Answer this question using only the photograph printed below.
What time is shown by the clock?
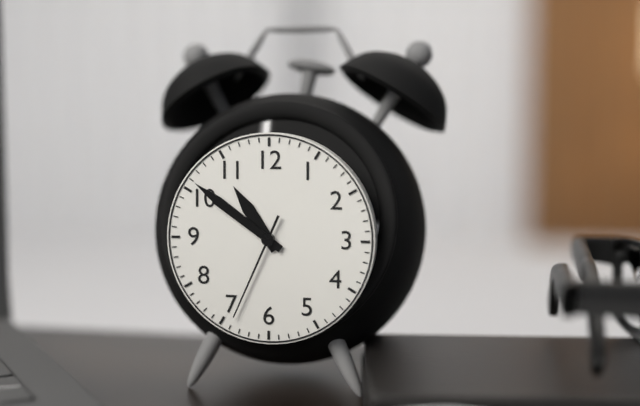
10:51:34
